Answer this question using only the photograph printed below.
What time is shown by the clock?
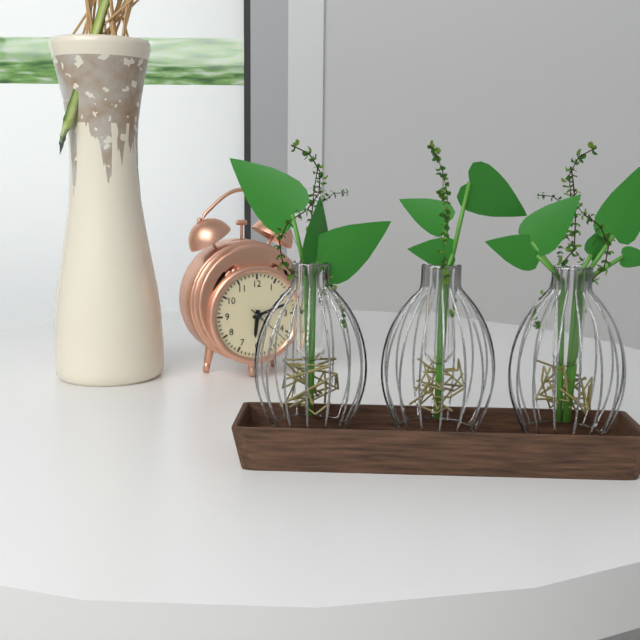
6:12
